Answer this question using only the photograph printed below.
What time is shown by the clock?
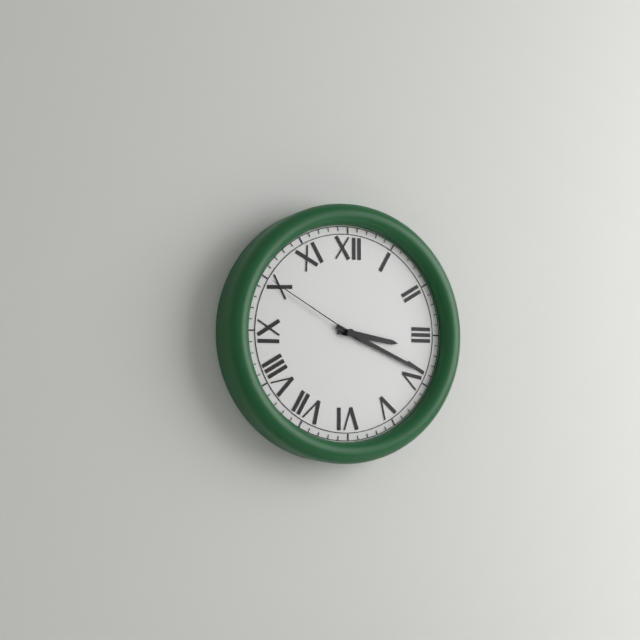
3:19:50
